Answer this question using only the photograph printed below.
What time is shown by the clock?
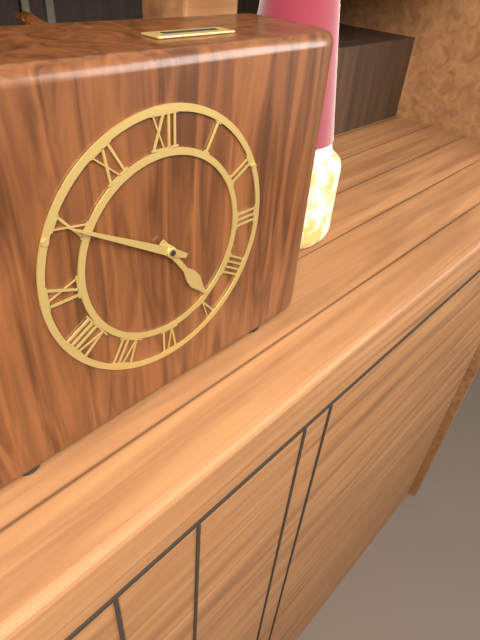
4:50
